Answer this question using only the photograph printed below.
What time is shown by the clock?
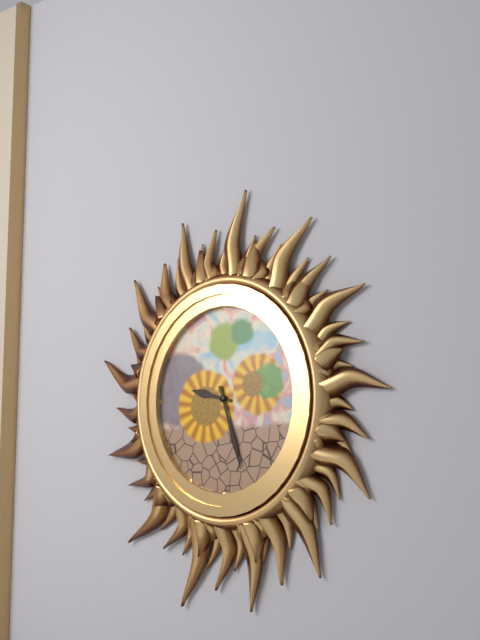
9:27
